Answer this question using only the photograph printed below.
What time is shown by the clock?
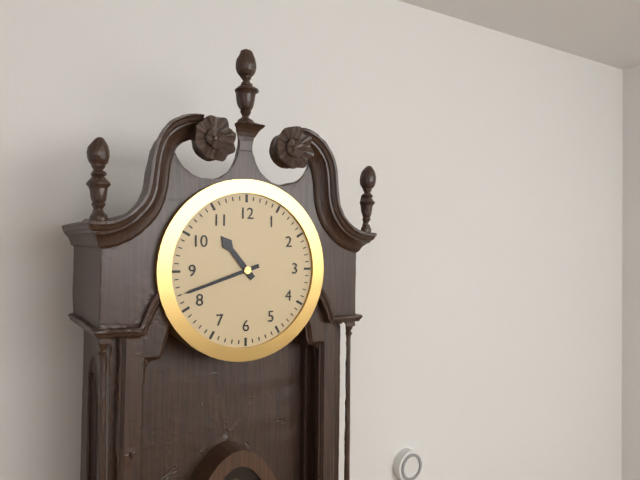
10:42
